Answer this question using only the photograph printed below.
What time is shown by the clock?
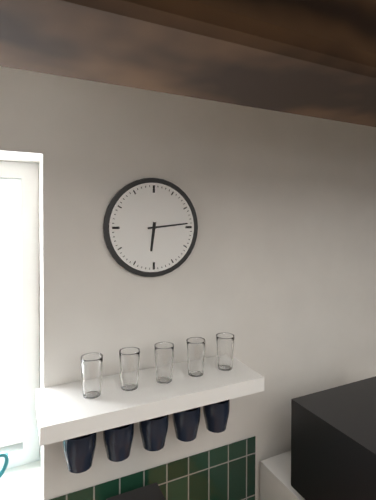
6:14
